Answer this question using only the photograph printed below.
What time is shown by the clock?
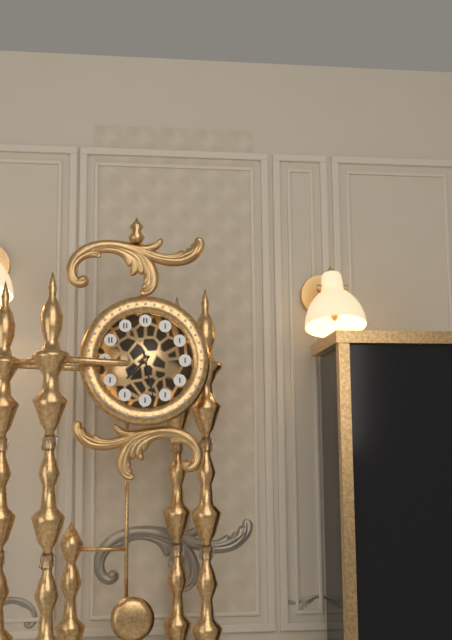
7:28
